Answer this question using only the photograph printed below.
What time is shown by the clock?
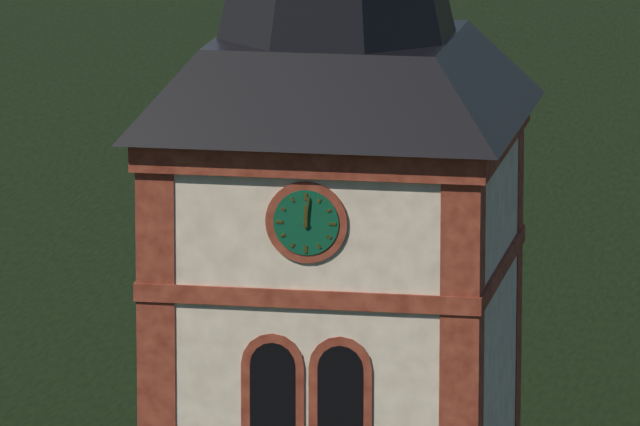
12:01
